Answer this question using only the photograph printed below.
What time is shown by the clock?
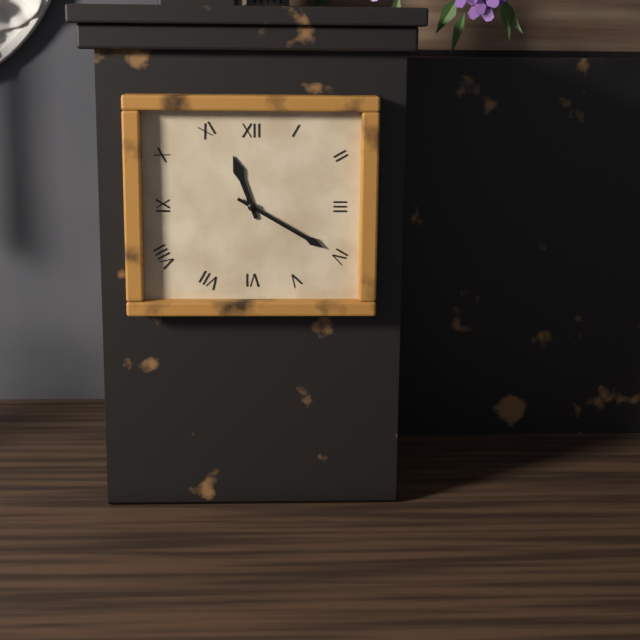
11:20
